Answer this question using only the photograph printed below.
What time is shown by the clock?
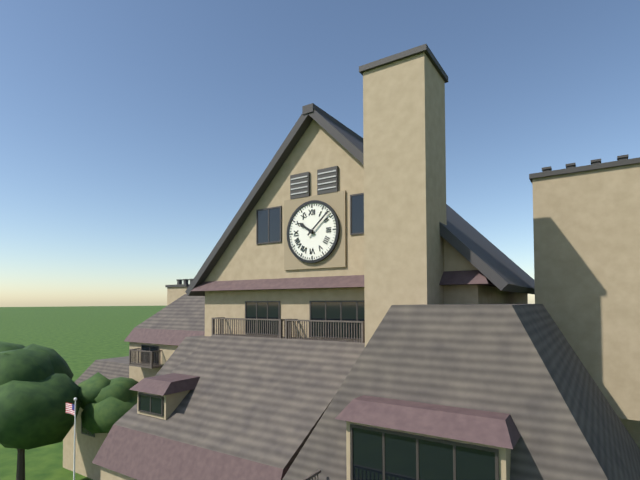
10:08
